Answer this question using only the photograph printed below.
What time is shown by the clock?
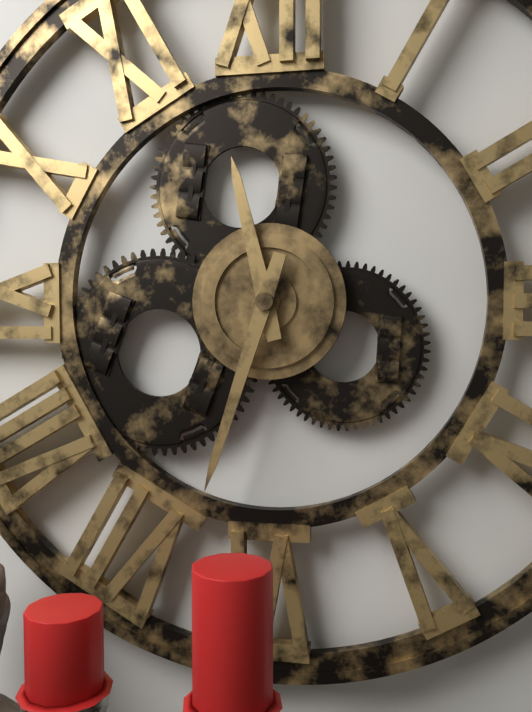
11:33
